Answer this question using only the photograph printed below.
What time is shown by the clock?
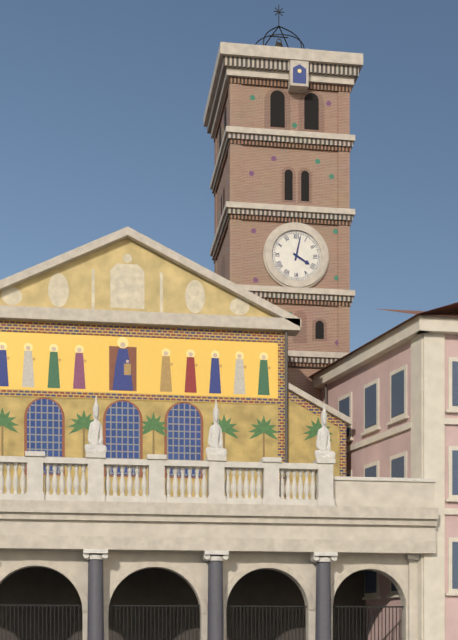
4:02
